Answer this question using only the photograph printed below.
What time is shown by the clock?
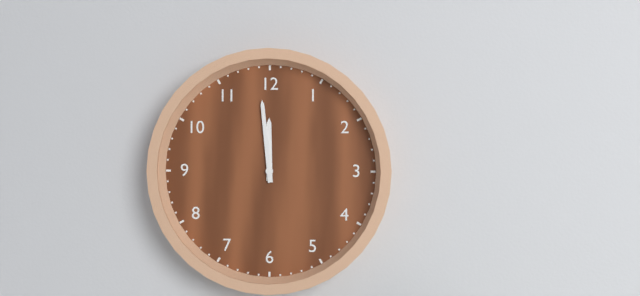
11:59
